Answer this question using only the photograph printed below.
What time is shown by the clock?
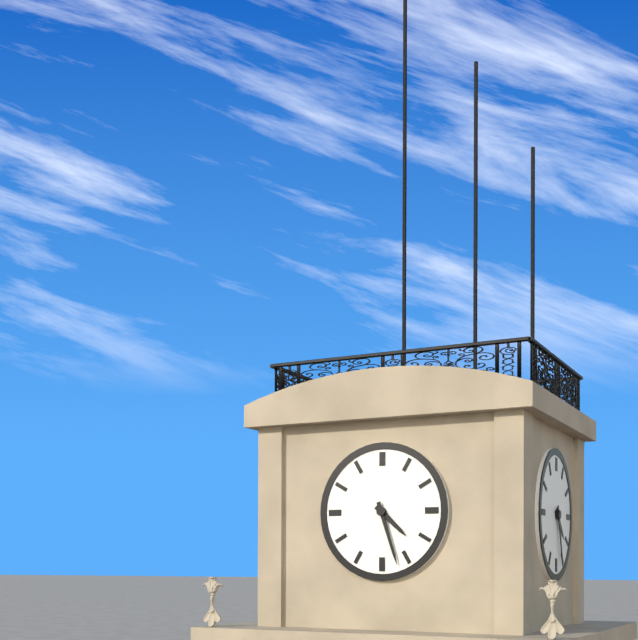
4:27
